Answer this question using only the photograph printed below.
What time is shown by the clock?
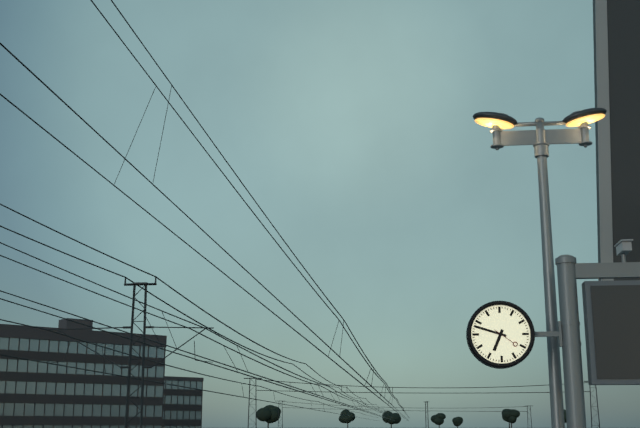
6:48
